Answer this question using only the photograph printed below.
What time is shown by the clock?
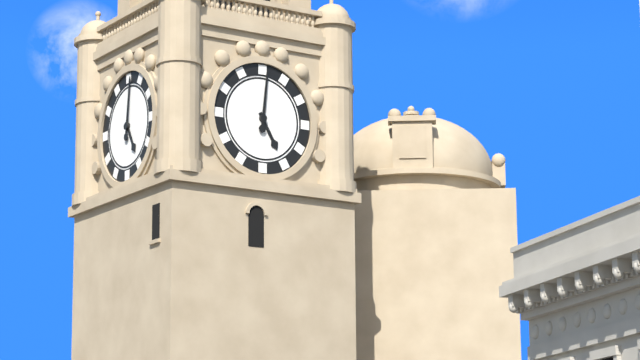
5:01
